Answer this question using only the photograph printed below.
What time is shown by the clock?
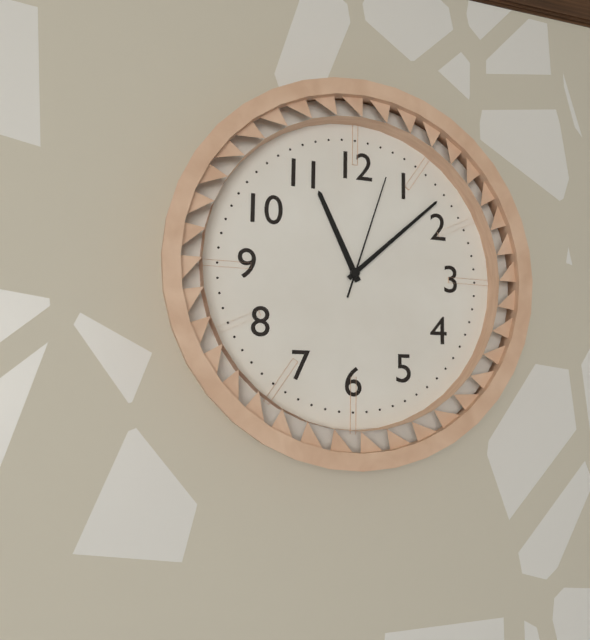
11:08:03
